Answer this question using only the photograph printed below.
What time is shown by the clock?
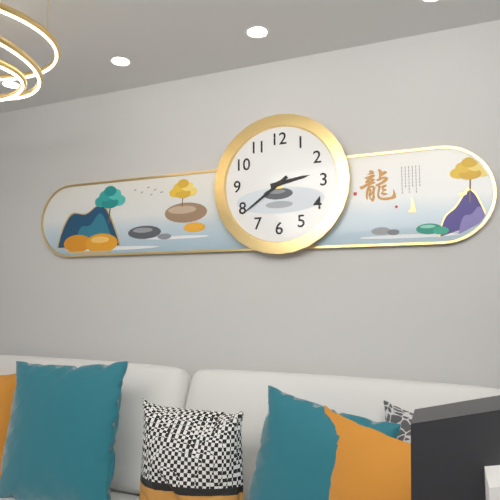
2:39
